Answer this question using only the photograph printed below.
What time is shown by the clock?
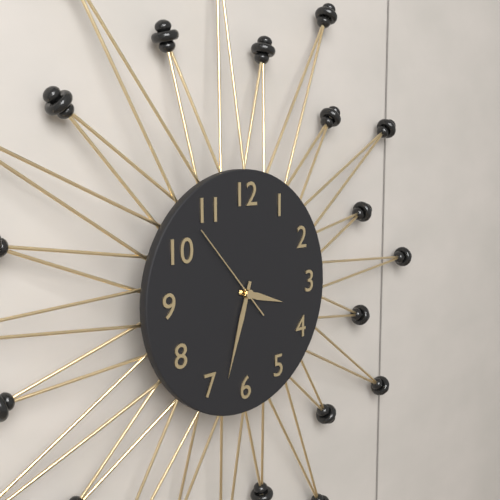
3:33:53
